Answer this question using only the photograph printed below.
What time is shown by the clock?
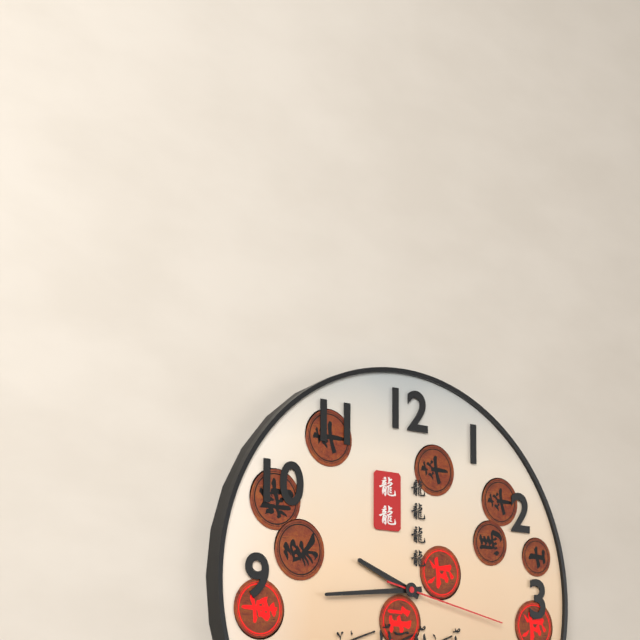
9:44:17
